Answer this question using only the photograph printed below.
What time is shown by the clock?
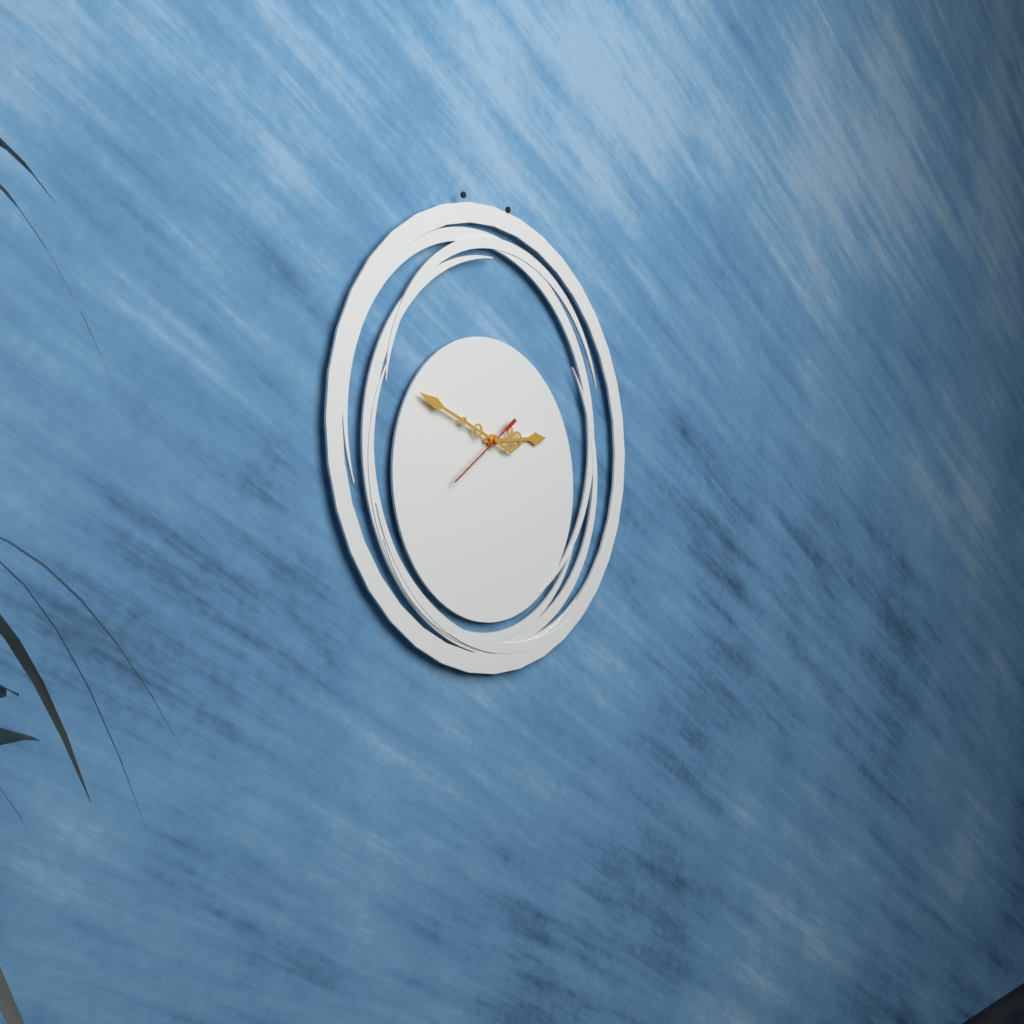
2:48:39
